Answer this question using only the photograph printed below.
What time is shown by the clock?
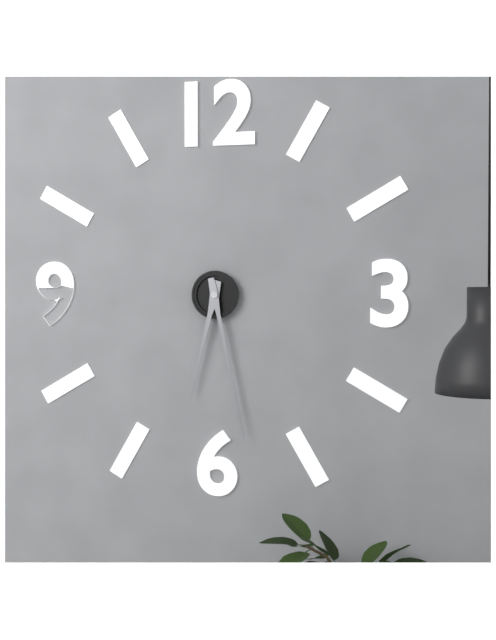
6:28
